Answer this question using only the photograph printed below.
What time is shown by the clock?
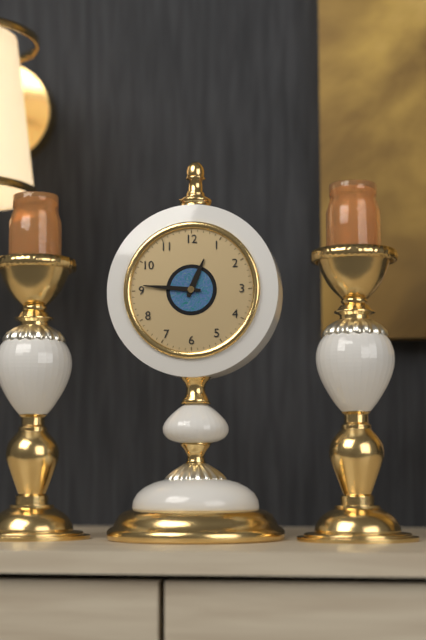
12:46
